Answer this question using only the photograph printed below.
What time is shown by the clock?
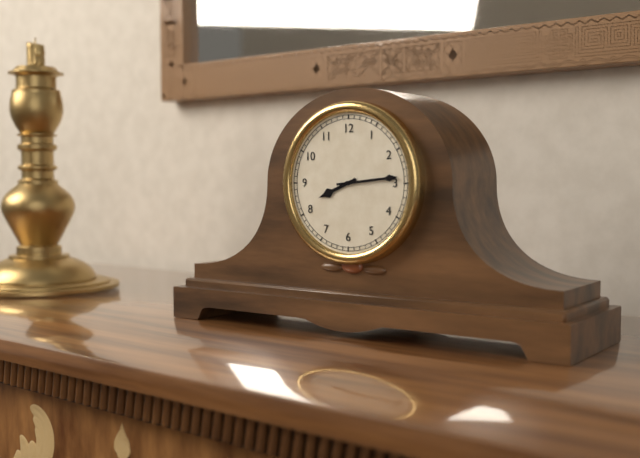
8:14
